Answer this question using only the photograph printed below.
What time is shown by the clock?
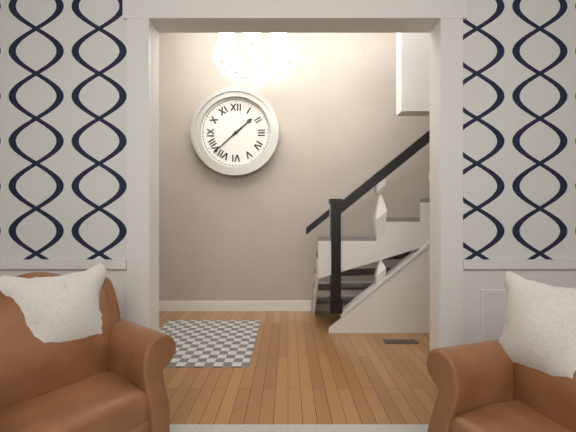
1:38
